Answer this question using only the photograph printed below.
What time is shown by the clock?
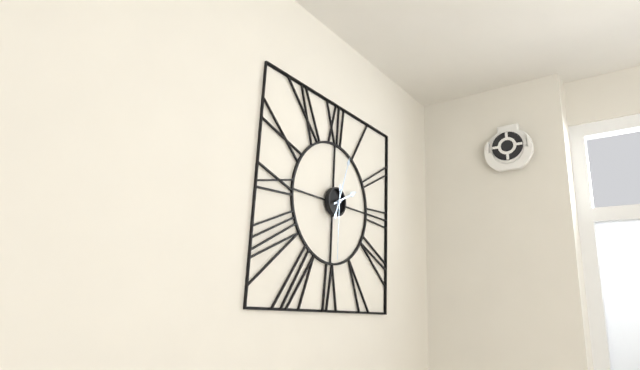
2:03:30
